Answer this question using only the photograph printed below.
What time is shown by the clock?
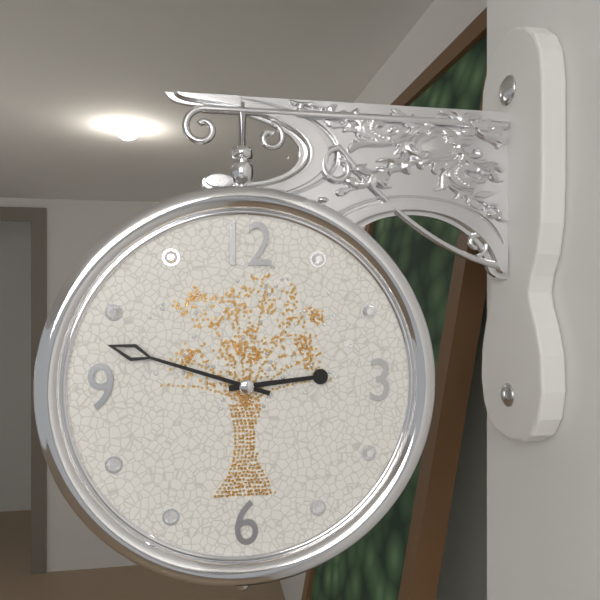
2:48
